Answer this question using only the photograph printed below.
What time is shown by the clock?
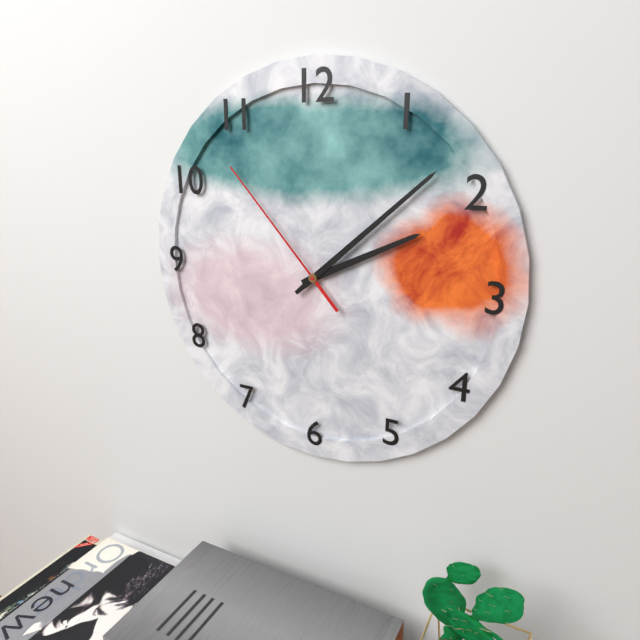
2:08:53
